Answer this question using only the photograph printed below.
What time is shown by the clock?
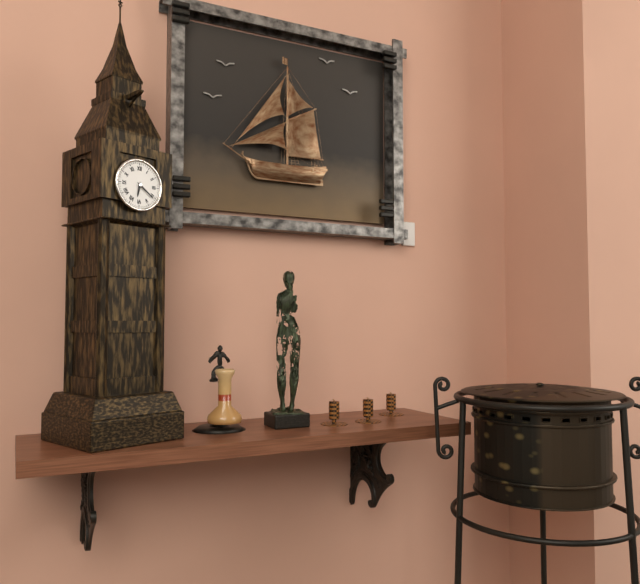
6:21
